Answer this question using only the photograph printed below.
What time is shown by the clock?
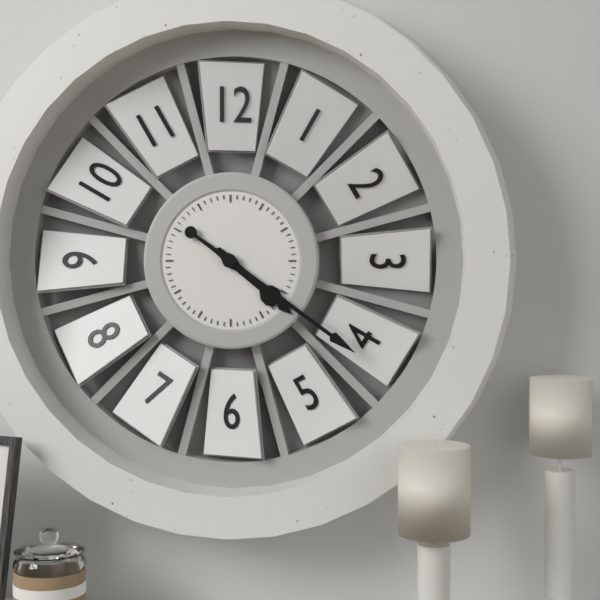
4:21
